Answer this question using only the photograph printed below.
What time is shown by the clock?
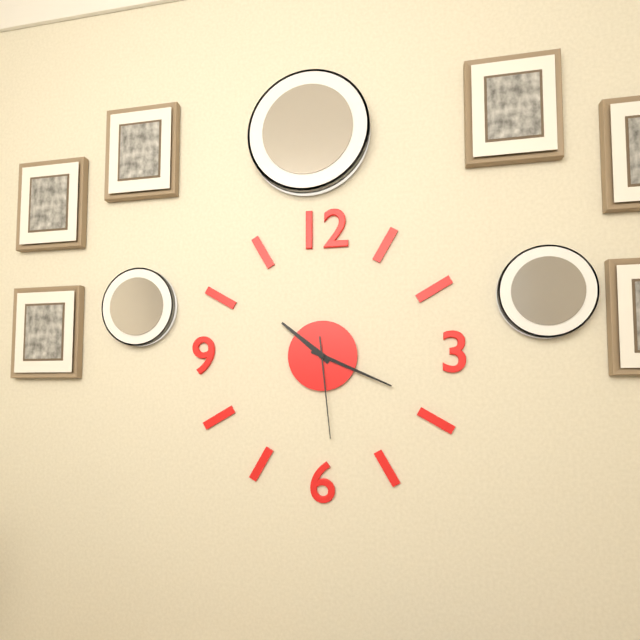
10:19:29
